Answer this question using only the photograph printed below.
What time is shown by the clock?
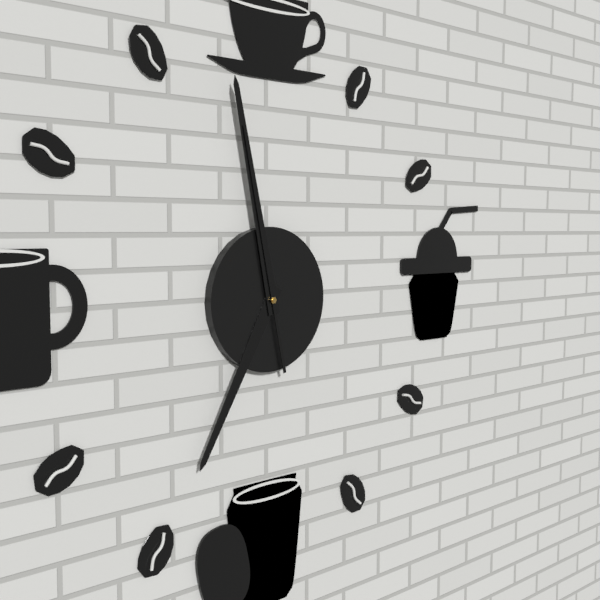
6:58:58
